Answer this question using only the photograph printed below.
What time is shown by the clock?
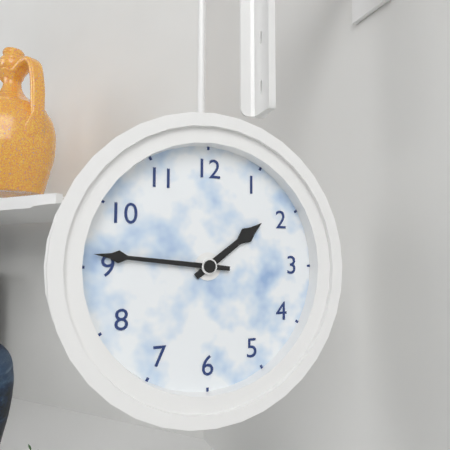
1:46
